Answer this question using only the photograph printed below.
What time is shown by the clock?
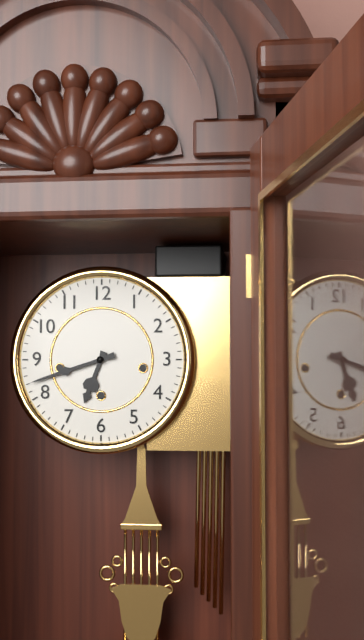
6:42
